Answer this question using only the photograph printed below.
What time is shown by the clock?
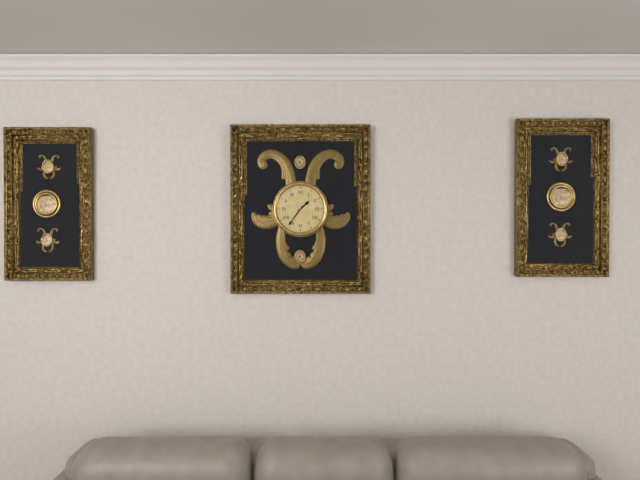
1:36
